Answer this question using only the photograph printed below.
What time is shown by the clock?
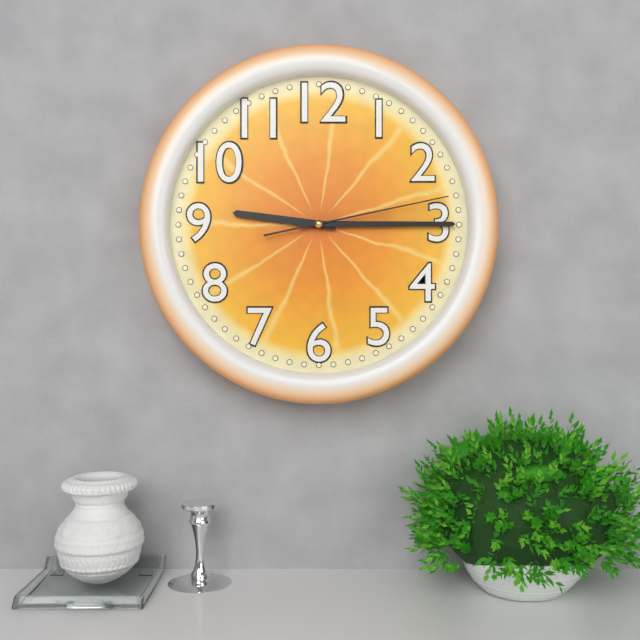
9:15:13
